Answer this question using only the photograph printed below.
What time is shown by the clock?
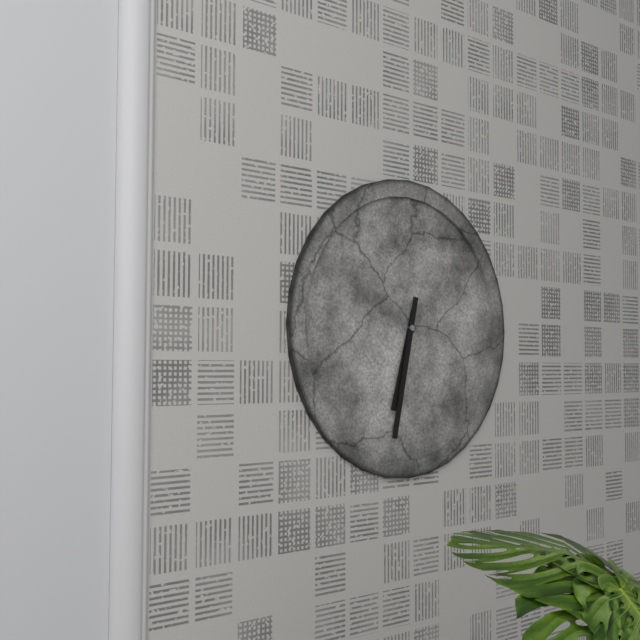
6:32
